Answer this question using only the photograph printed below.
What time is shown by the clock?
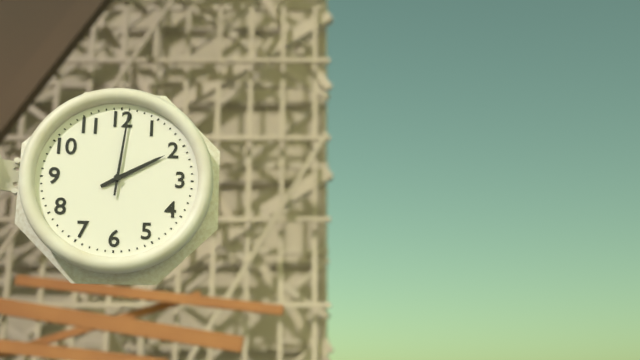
2:01
